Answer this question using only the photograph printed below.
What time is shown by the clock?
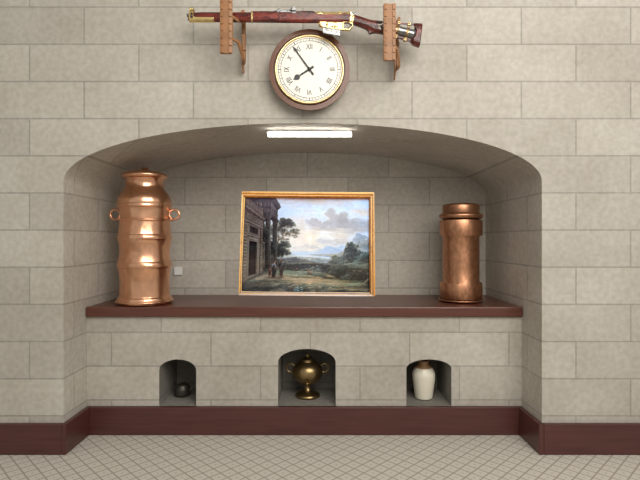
7:54
